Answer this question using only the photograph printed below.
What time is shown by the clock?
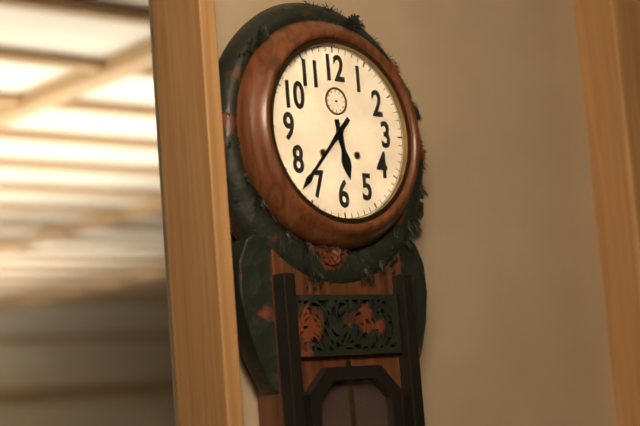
5:37
